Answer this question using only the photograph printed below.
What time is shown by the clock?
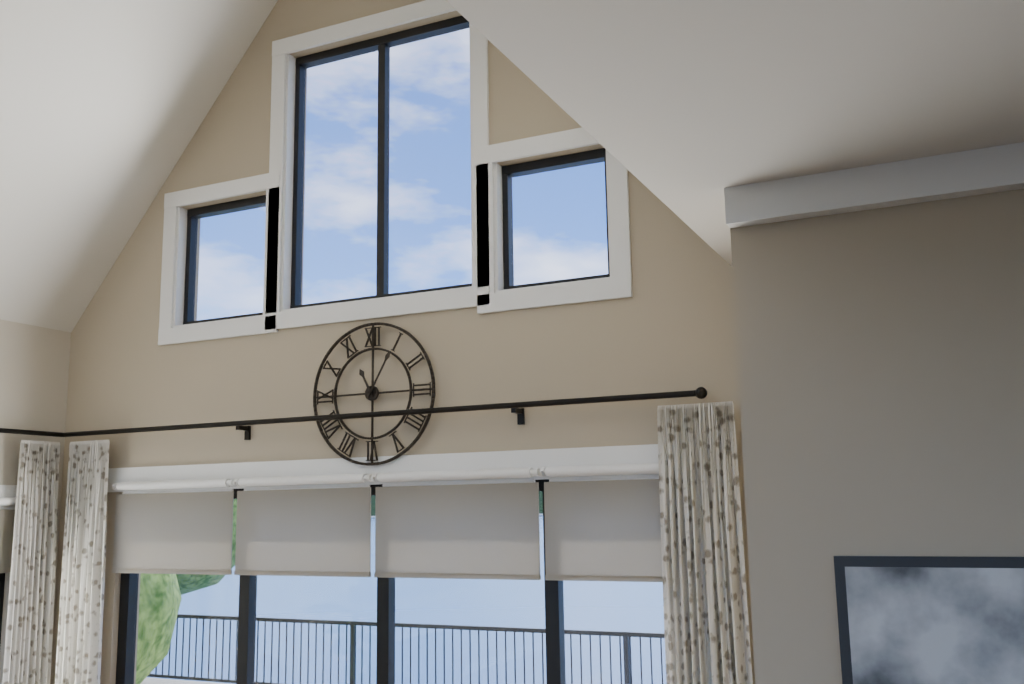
11:05
